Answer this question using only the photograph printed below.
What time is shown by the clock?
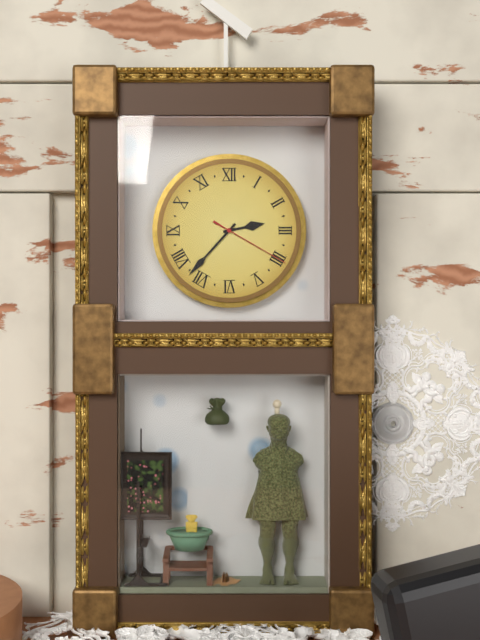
2:37:20
